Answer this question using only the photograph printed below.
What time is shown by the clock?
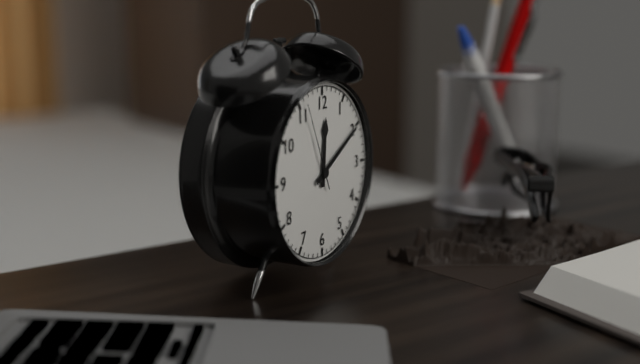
12:10:56
